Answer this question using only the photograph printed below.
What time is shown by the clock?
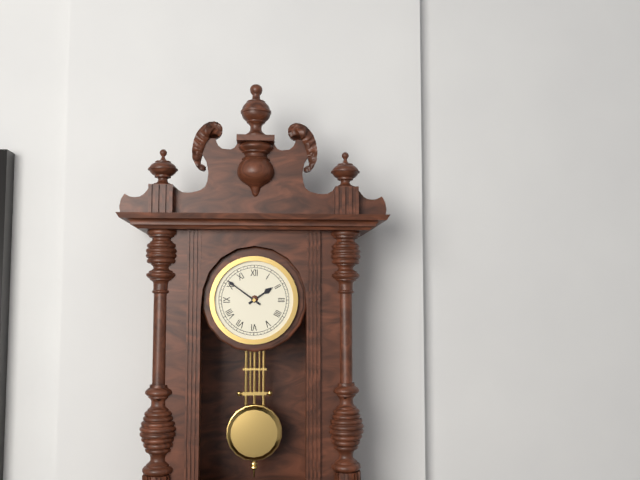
1:51
